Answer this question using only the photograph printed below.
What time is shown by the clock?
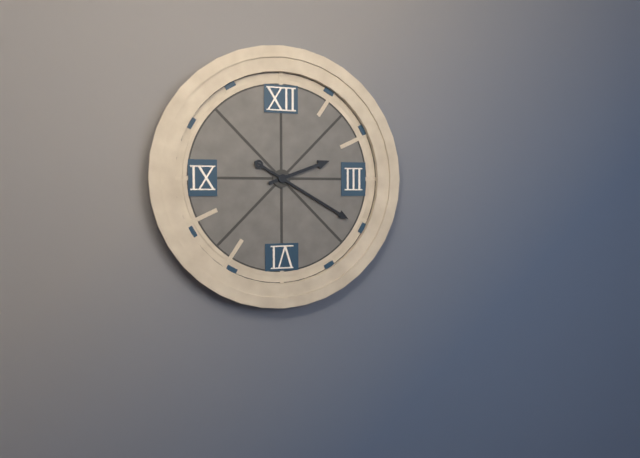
2:20
